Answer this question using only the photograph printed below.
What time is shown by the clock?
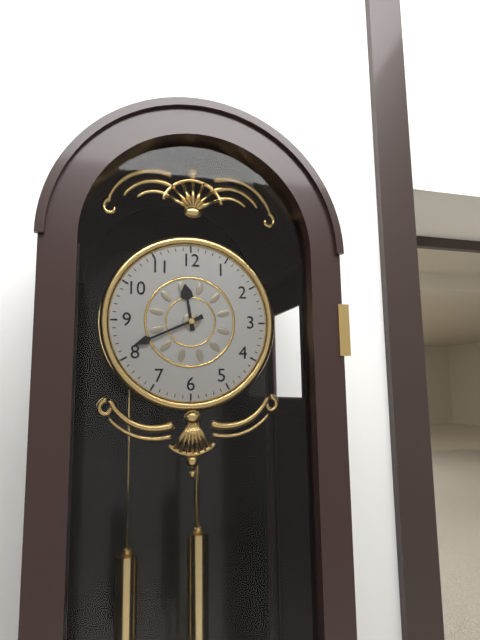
11:41
